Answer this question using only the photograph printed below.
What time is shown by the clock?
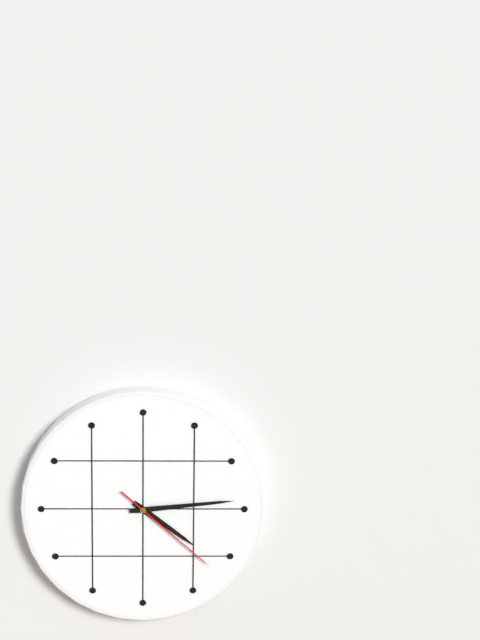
4:14:22
